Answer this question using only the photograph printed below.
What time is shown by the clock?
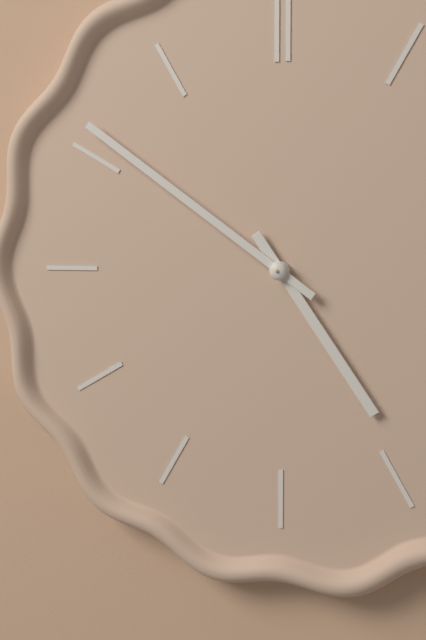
4:51
